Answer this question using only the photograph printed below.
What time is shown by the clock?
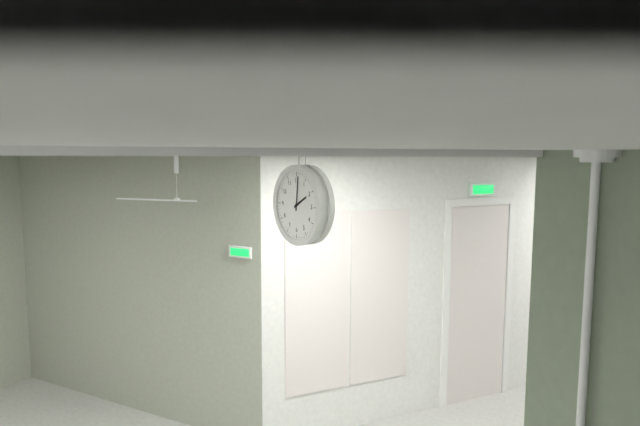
2:01
